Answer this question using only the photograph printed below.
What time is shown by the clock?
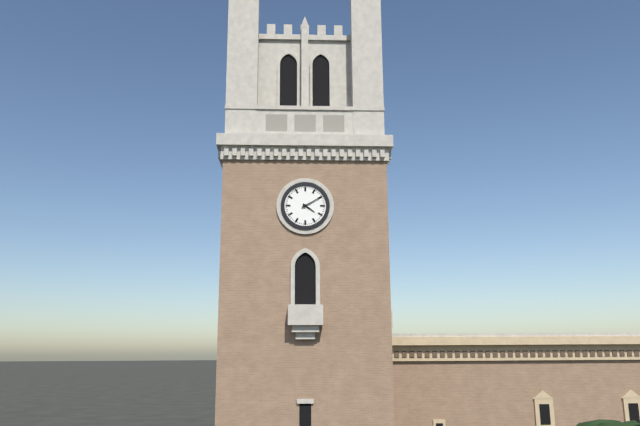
4:10
